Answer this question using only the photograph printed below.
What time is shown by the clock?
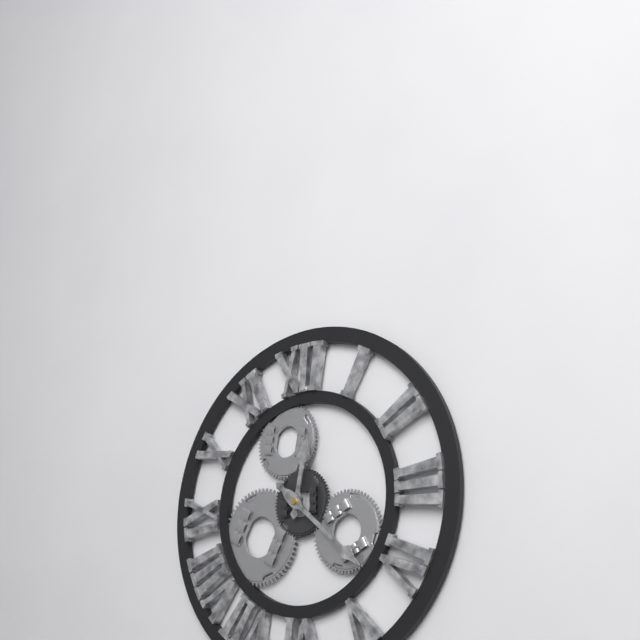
12:22
